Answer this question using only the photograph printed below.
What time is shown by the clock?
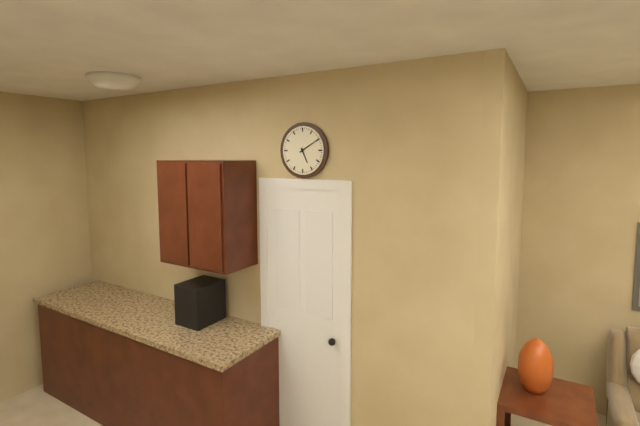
5:10
